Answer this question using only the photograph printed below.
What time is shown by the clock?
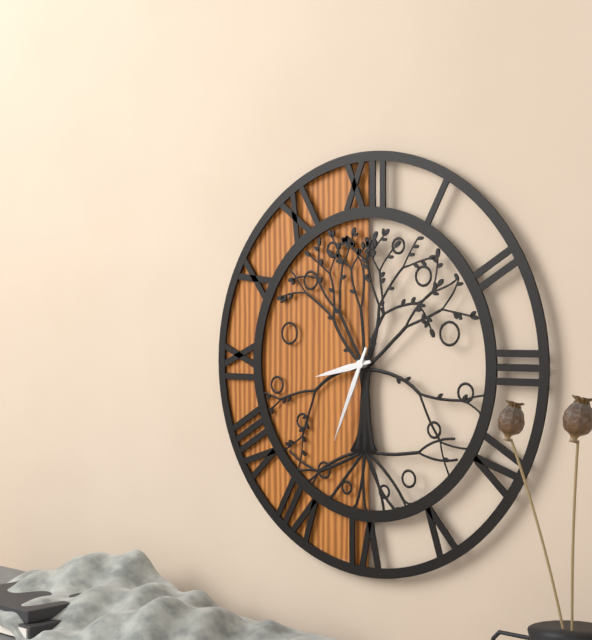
8:34
